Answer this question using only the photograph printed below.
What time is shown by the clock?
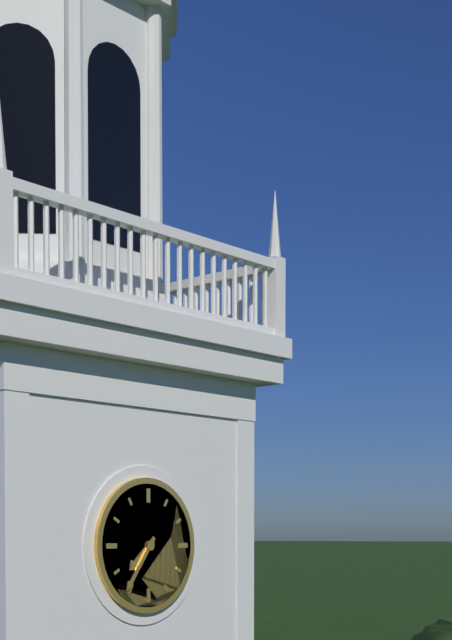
7:36
